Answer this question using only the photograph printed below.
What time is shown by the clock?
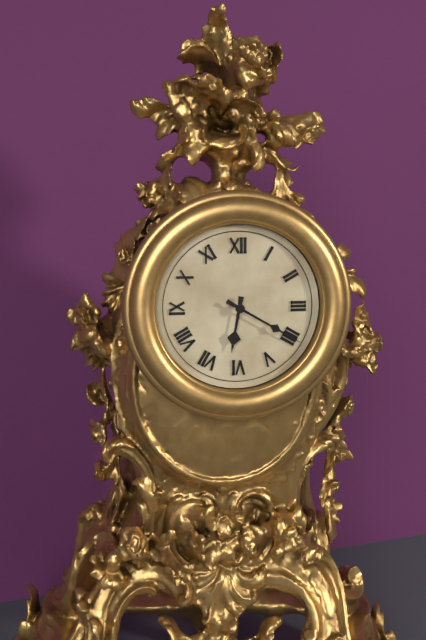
6:20
